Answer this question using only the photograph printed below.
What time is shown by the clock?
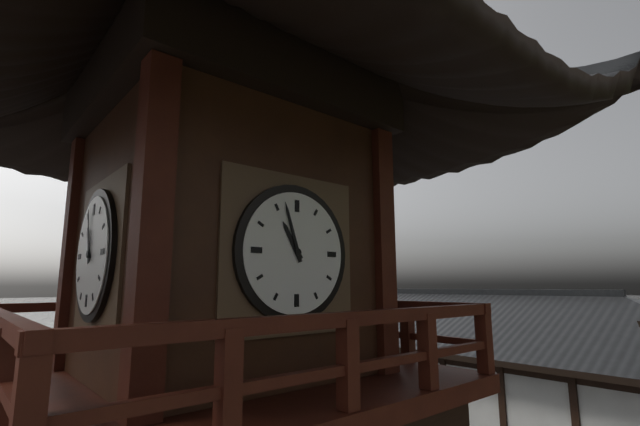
10:57
